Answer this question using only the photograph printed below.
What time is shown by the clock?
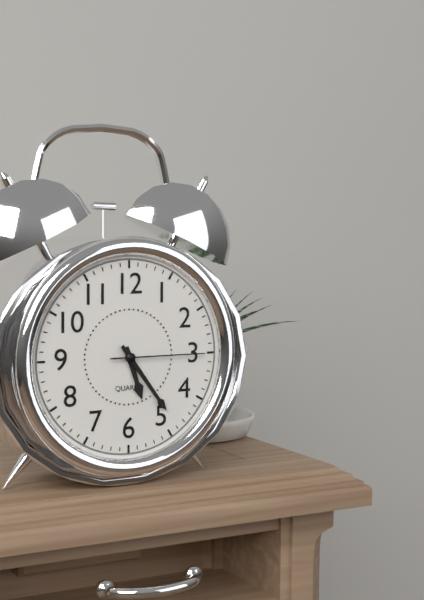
5:24:15
